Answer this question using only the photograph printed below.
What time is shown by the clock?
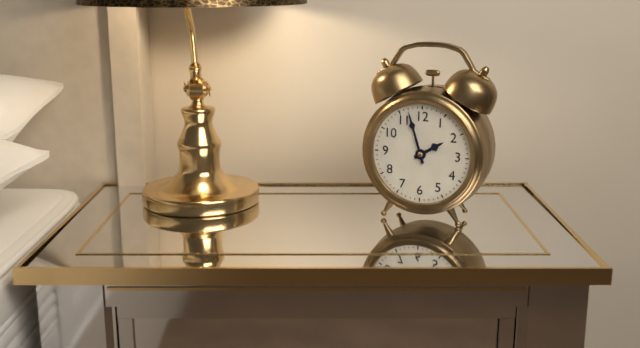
1:57
